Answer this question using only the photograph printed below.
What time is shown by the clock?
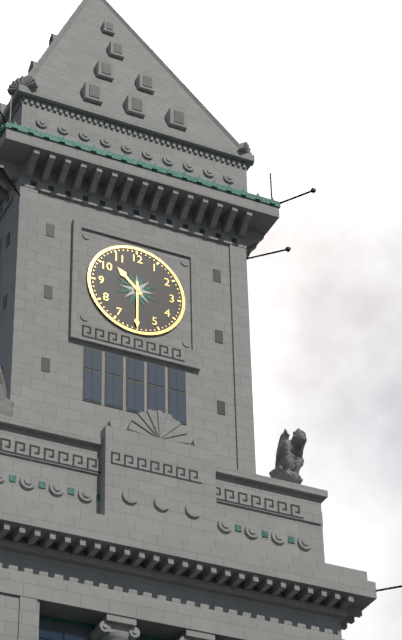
10:30
